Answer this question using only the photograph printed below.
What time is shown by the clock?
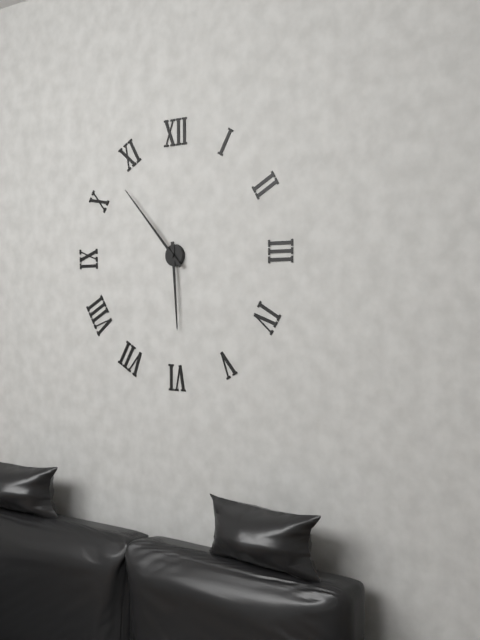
5:53
